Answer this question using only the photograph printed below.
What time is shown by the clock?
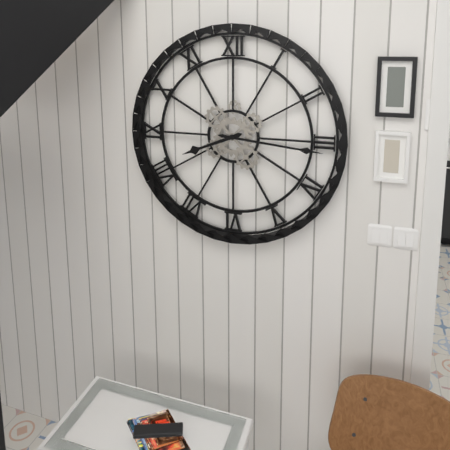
8:16
